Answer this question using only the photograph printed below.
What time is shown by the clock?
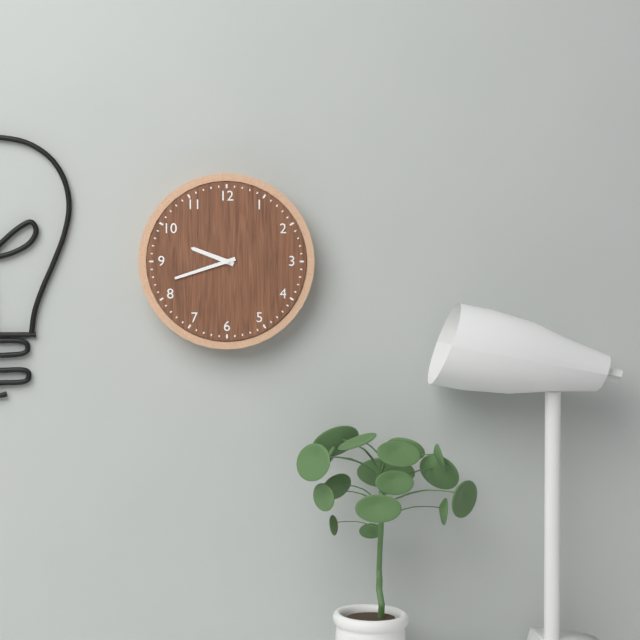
9:42
